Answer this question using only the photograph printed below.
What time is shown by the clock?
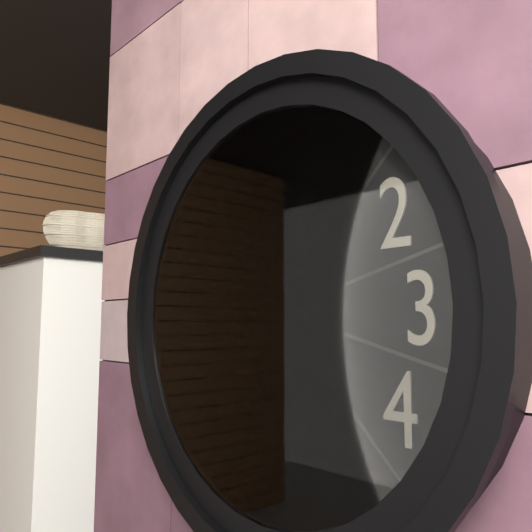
8:07
